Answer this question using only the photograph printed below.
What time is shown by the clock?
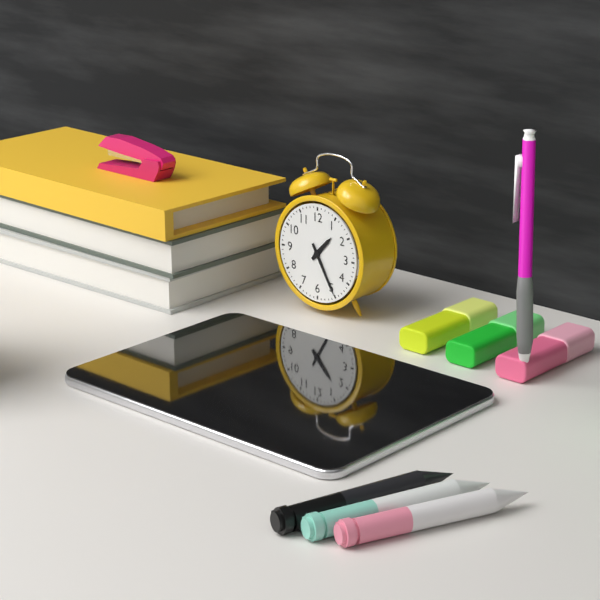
1:25
